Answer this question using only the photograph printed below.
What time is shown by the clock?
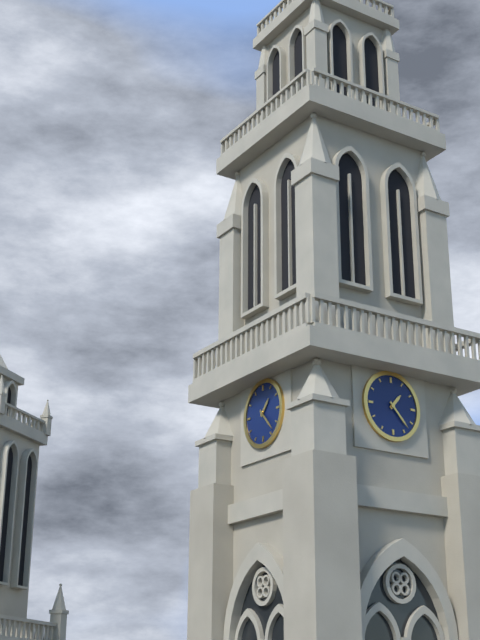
1:23
